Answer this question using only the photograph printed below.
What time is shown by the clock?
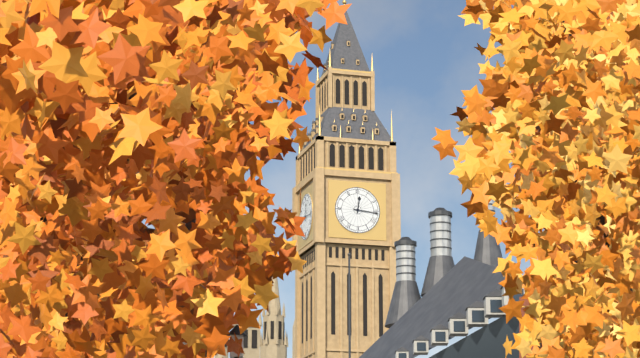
12:16
